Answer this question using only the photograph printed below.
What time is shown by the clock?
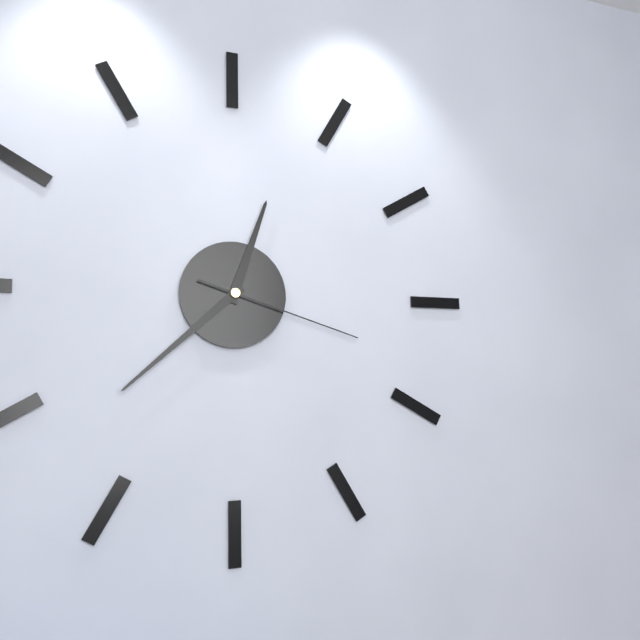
12:38:18
